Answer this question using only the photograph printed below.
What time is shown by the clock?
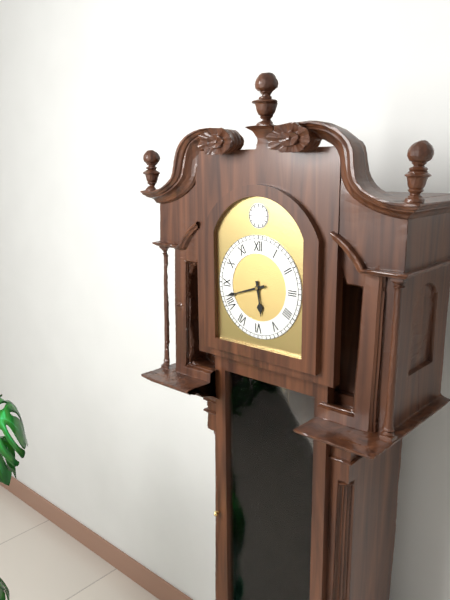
5:42
